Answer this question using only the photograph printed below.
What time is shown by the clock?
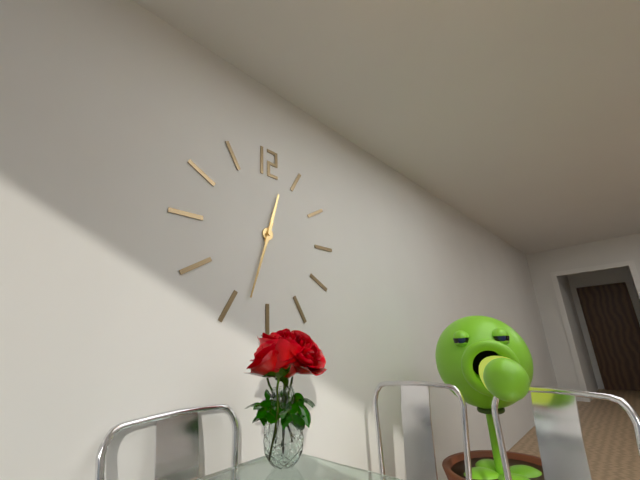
12:33
